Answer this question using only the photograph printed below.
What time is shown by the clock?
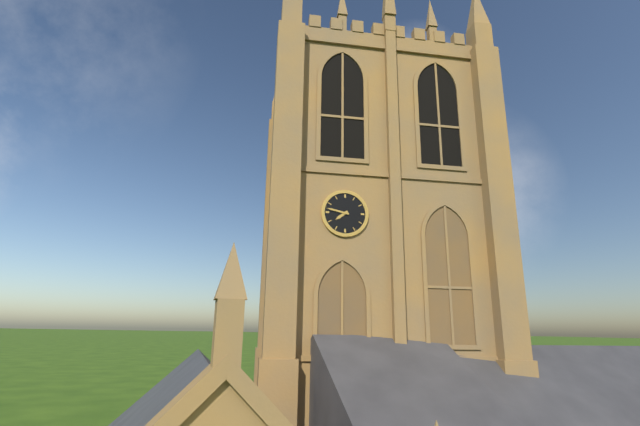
7:47
